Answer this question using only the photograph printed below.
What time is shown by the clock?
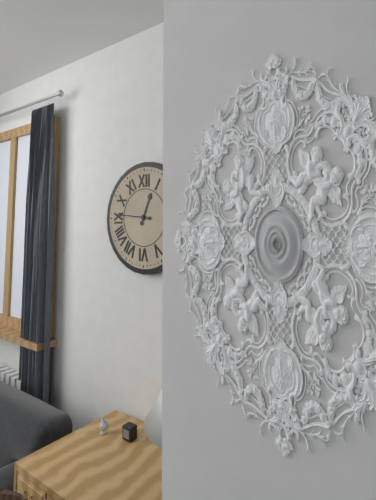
12:46
